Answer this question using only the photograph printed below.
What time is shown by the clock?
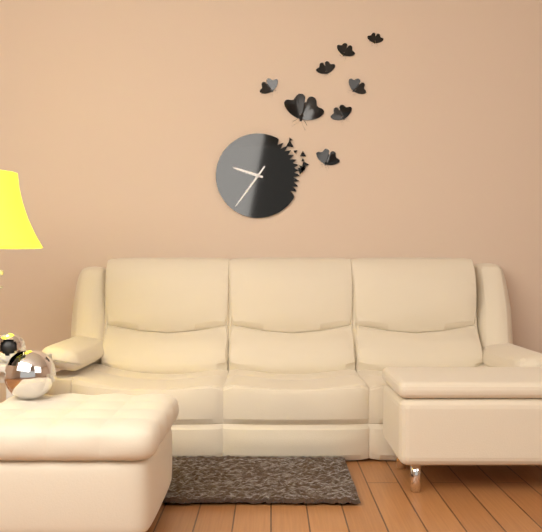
9:36
